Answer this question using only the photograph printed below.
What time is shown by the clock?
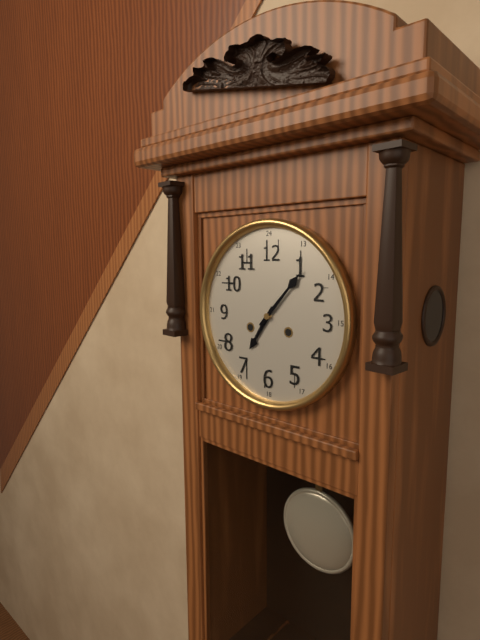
7:07
